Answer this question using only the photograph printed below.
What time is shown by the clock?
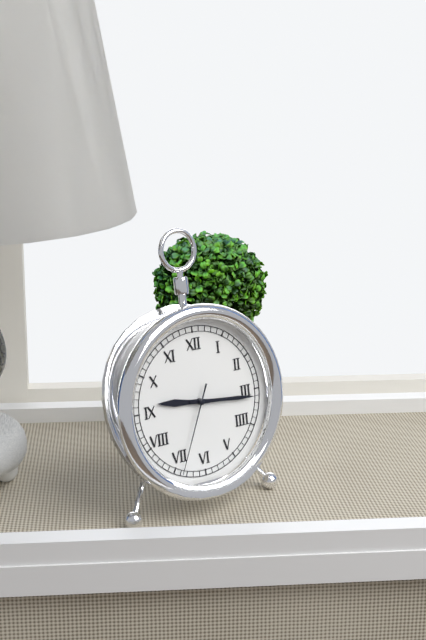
9:16:34
